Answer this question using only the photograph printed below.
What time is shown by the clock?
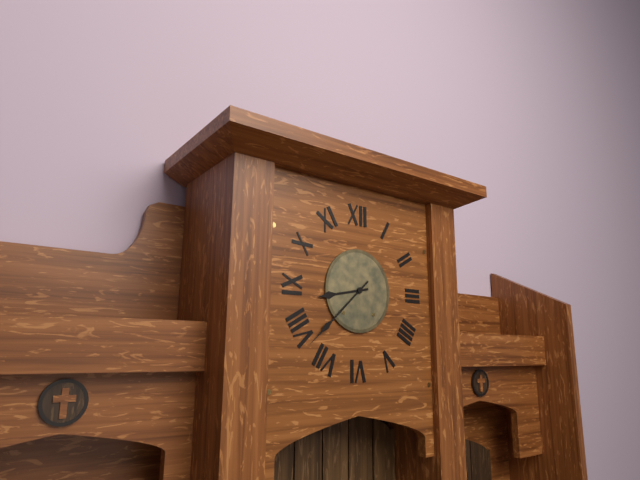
8:38
